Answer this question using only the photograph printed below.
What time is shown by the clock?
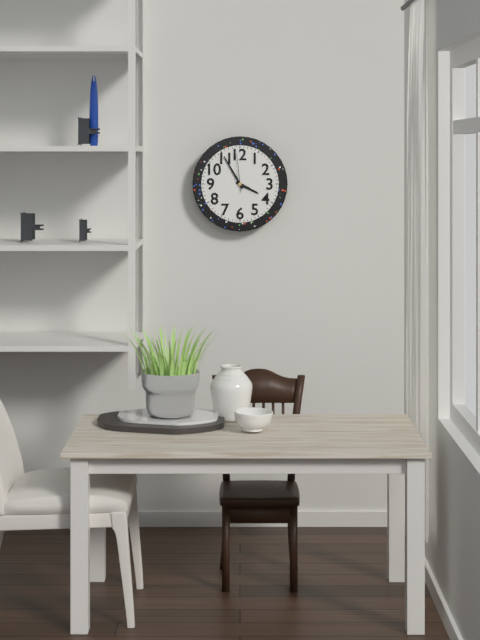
3:55
